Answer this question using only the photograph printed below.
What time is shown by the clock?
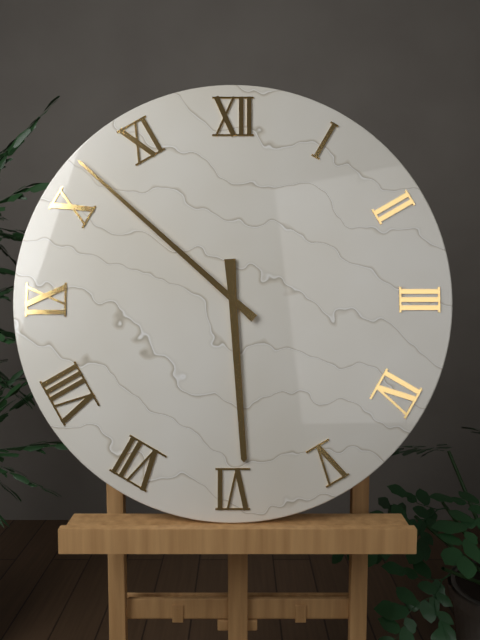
5:52
